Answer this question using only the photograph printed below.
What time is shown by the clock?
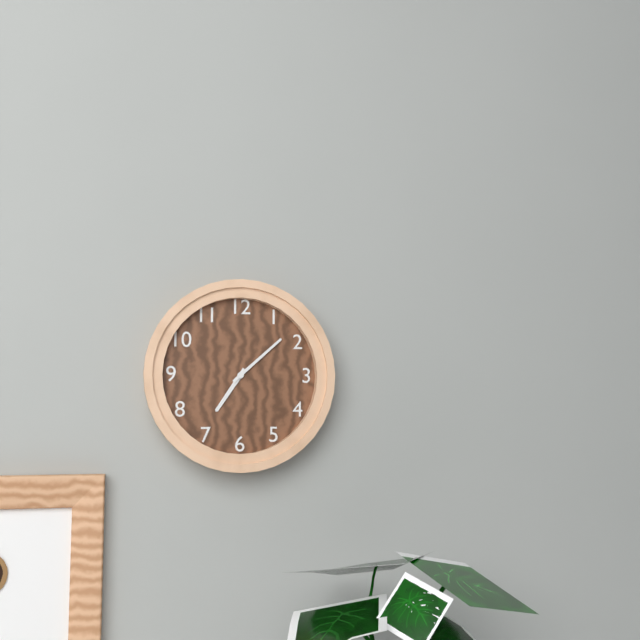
7:08
